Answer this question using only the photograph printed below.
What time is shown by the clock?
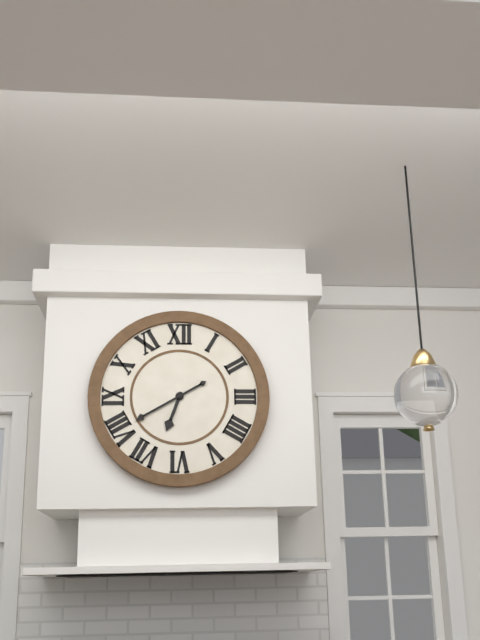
6:40
